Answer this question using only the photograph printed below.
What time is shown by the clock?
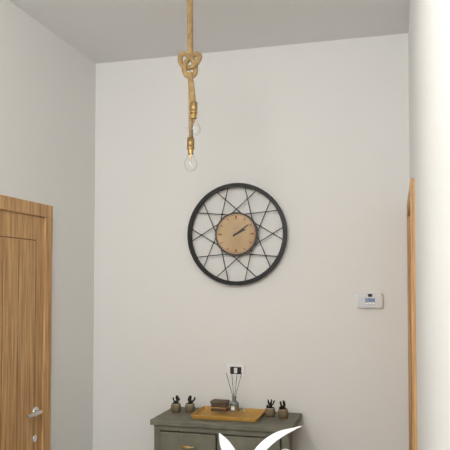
2:09
